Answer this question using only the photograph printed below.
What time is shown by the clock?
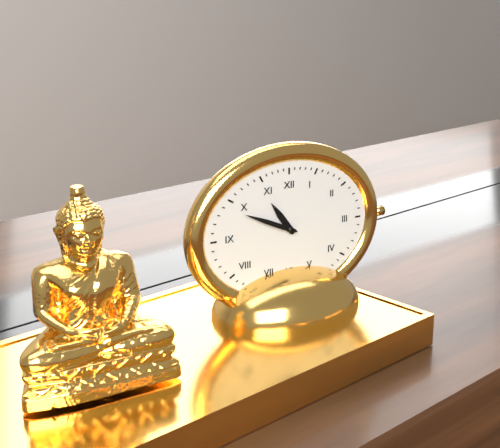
10:49
